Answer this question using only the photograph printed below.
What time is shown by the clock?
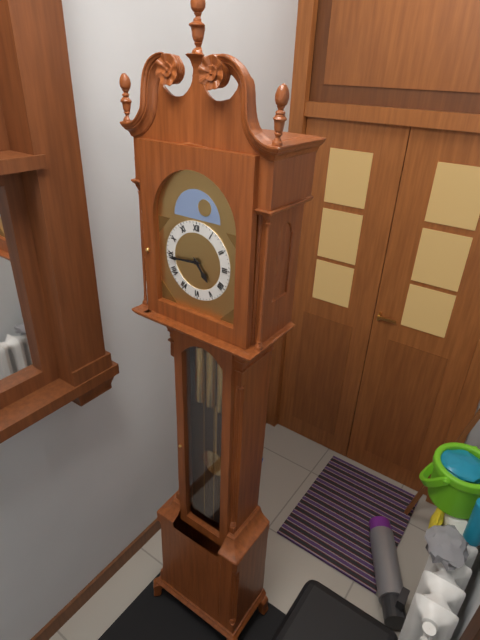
4:44
